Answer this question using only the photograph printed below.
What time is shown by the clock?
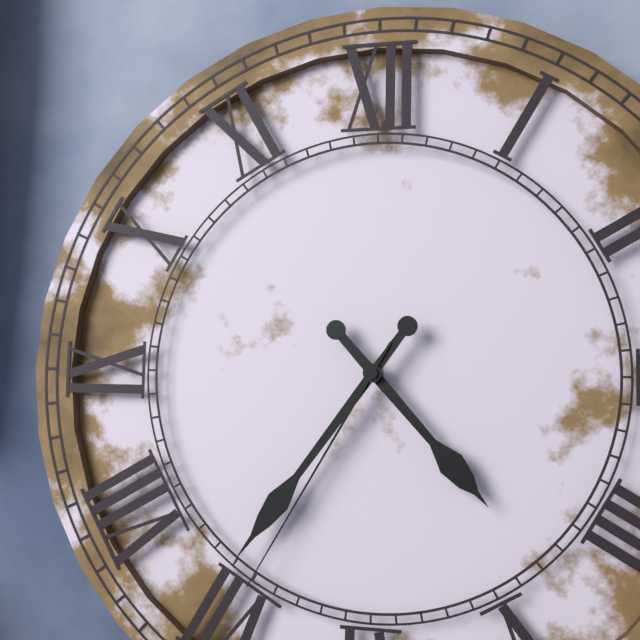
4:36:35
